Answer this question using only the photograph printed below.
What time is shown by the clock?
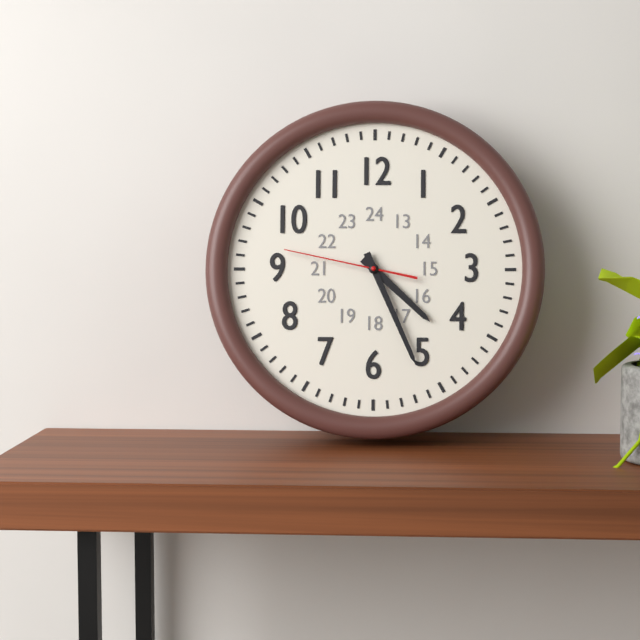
4:26:47
